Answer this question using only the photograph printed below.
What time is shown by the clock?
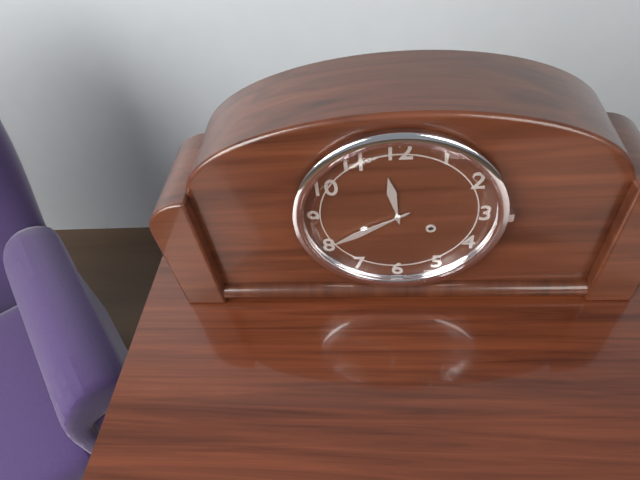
11:40
